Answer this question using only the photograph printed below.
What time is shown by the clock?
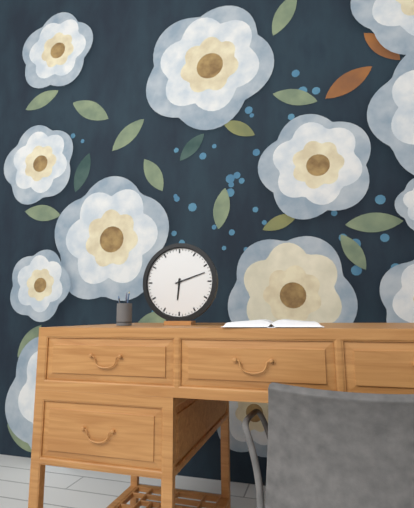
6:12
